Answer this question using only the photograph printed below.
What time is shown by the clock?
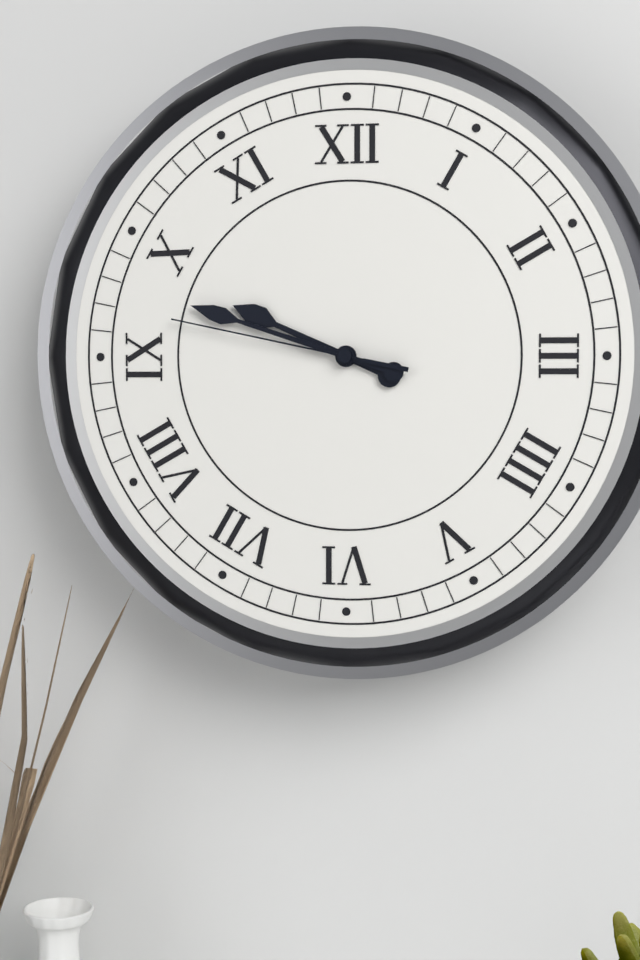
9:48:47
